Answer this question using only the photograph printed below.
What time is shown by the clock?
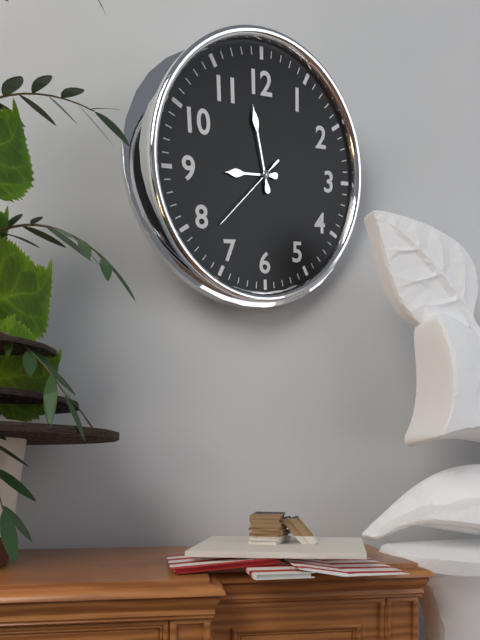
8:58:38
